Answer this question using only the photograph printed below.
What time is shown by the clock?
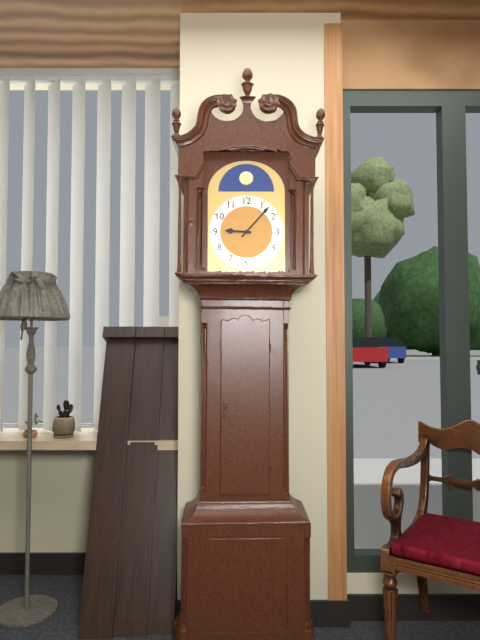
9:07
